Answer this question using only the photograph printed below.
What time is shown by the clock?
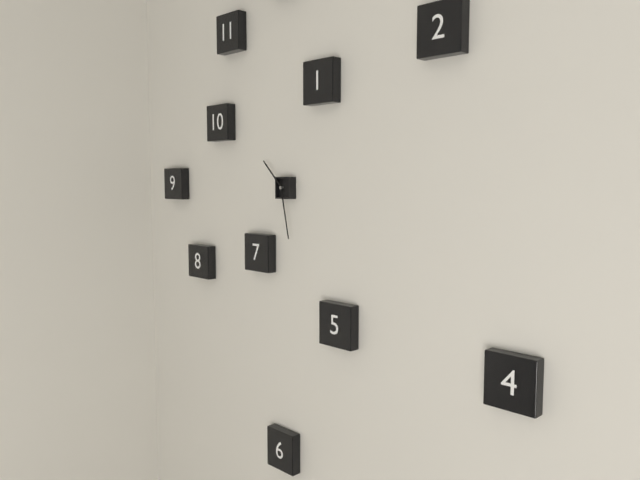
10:28
